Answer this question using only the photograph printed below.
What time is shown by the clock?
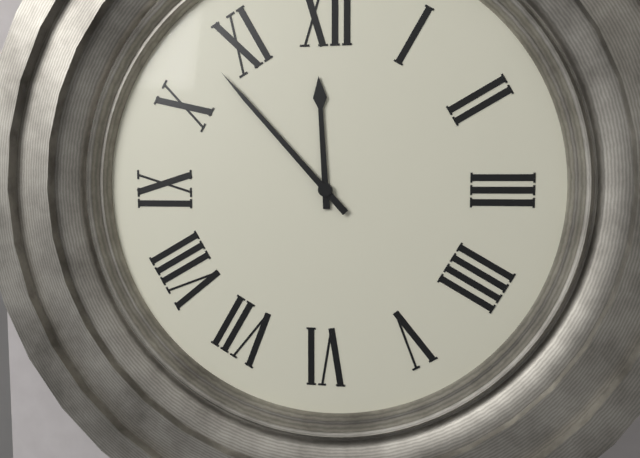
11:53
